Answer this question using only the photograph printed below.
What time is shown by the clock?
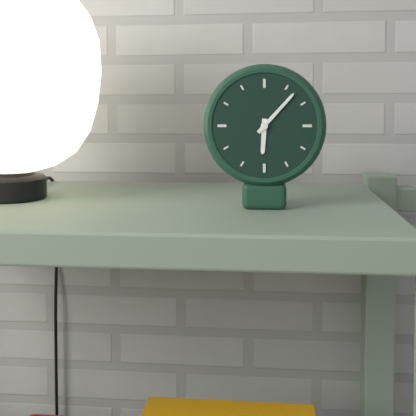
6:07
